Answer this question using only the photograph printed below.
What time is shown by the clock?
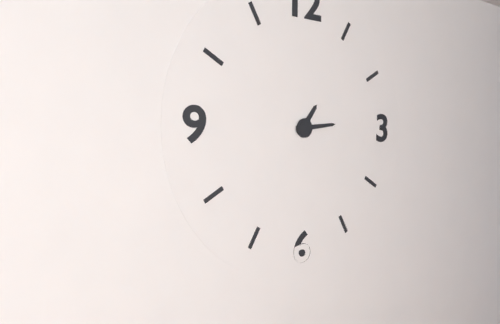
1:14
